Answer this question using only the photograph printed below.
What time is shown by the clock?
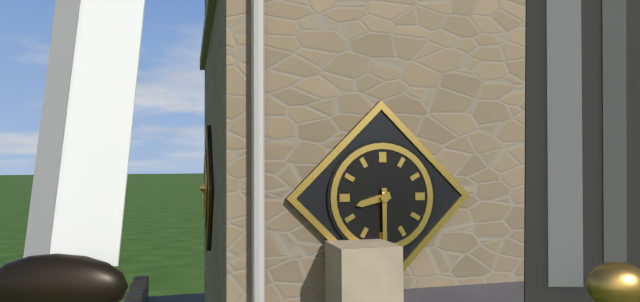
8:30
